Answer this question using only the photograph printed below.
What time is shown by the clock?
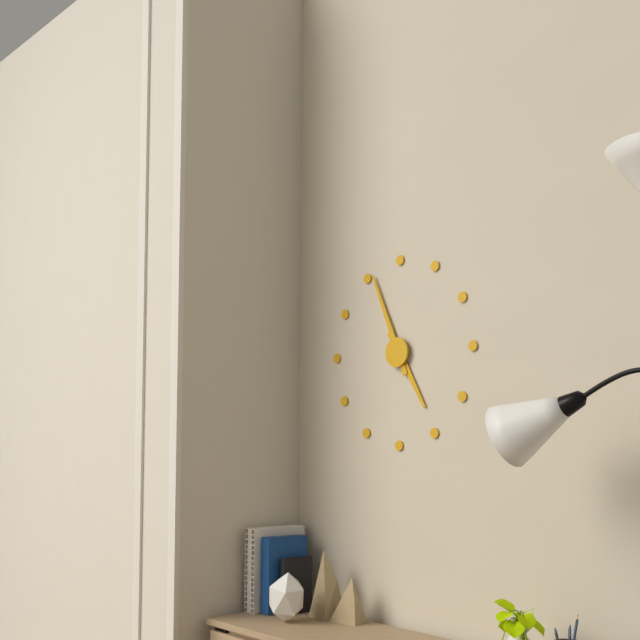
4:56
